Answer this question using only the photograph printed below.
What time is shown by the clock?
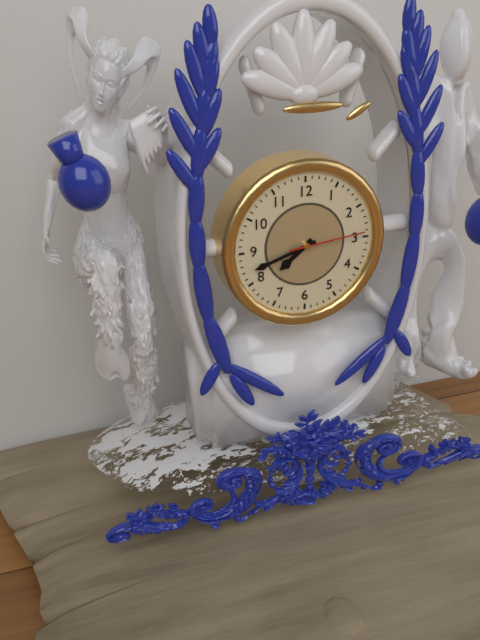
7:42:14
